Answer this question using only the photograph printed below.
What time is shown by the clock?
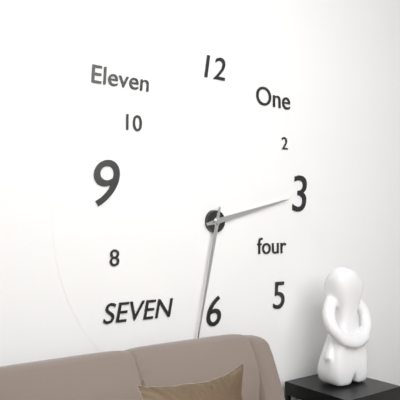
2:32
